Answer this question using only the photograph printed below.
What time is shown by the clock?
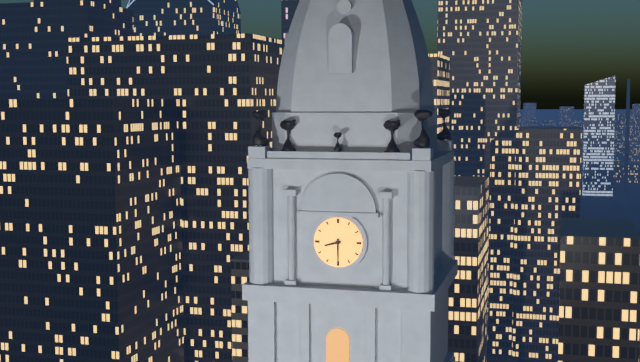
8:30
